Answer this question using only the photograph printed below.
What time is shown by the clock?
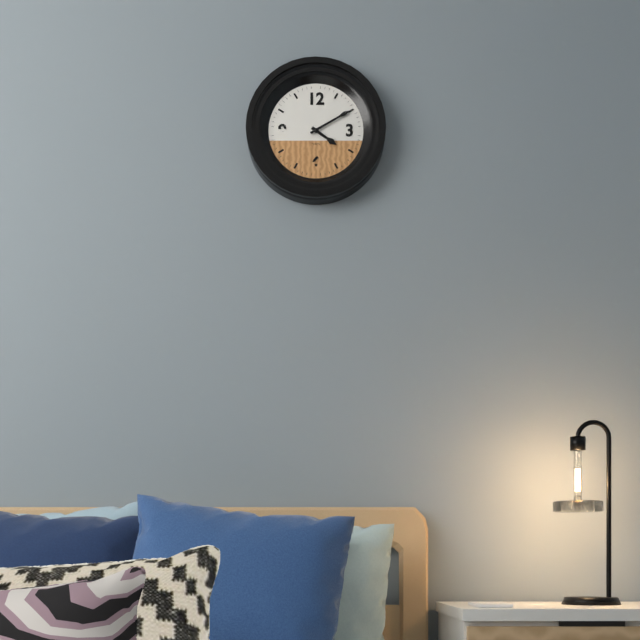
4:10
